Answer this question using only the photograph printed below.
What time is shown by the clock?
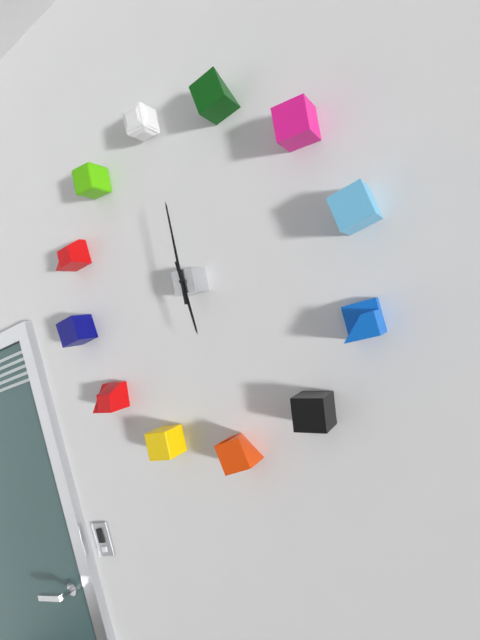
6:01
